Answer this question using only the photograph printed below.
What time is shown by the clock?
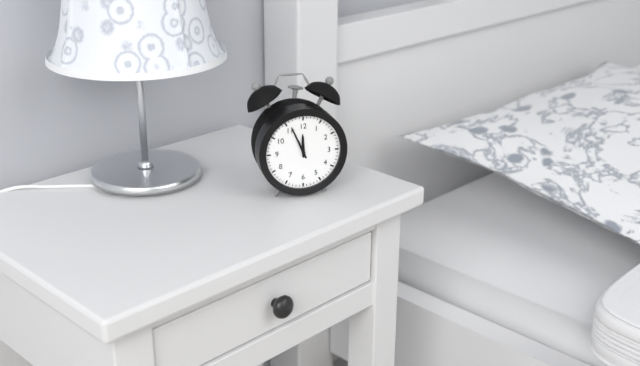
11:56
